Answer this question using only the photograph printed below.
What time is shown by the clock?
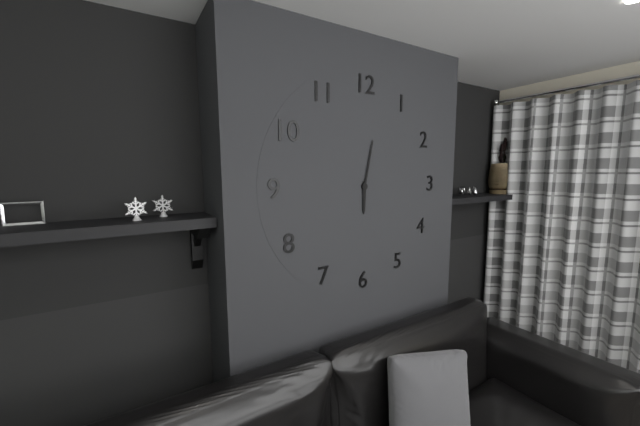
6:02
